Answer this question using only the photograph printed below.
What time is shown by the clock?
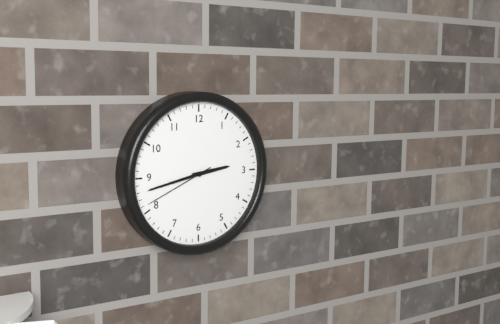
2:43:41
